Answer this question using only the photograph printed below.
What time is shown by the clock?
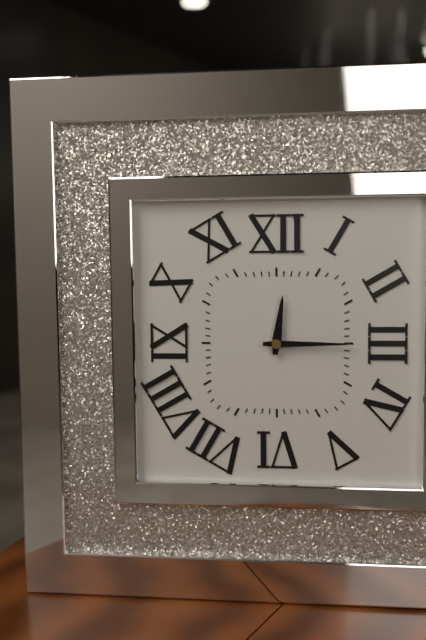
12:15
